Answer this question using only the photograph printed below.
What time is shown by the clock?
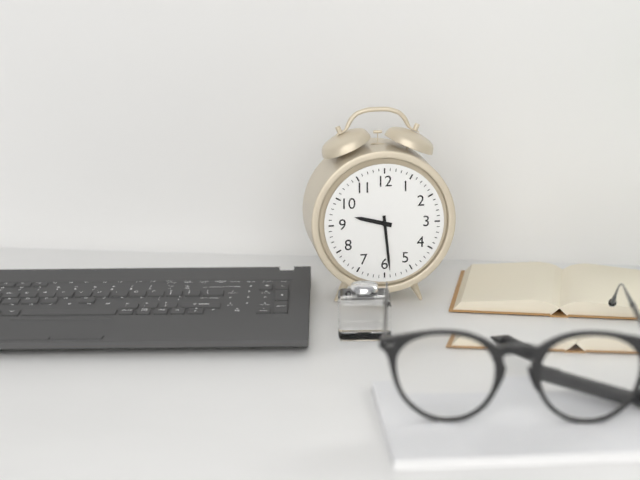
9:29
